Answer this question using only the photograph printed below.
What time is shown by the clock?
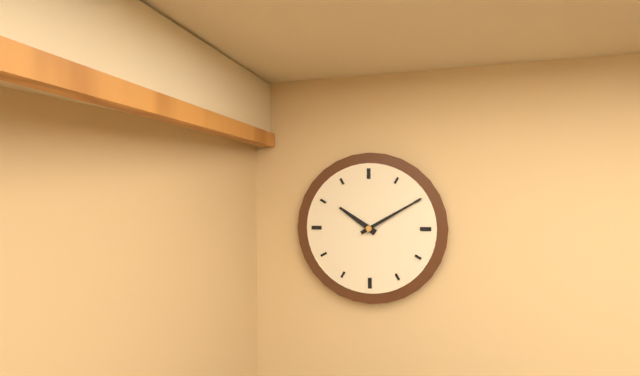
10:10
